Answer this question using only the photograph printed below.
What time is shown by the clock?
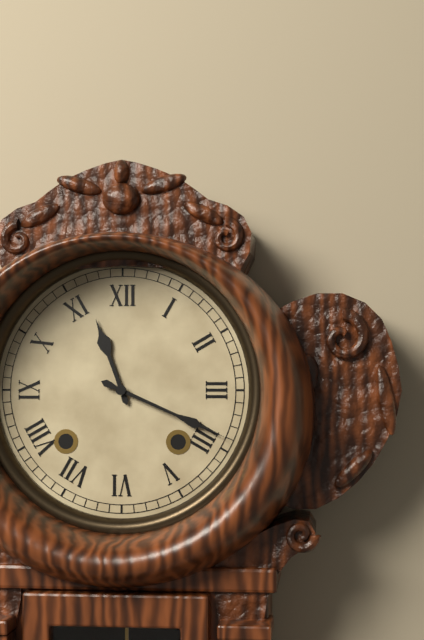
11:19
